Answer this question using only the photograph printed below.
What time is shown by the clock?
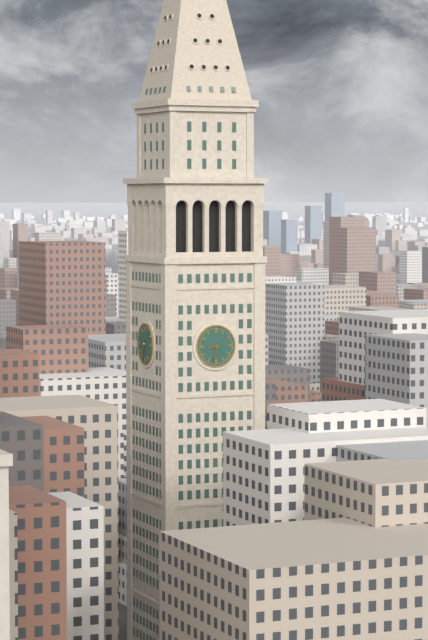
8:32
